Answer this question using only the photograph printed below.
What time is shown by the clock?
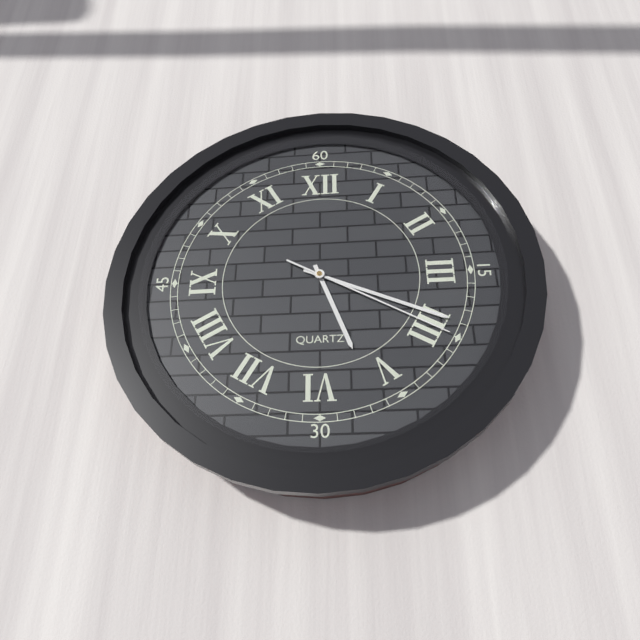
5:19:20
